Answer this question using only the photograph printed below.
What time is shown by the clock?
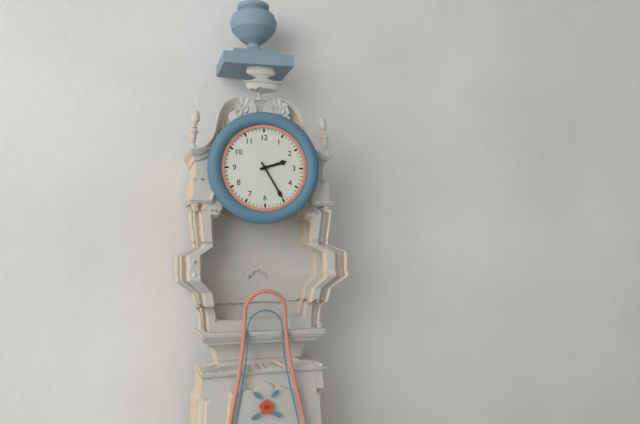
2:25
